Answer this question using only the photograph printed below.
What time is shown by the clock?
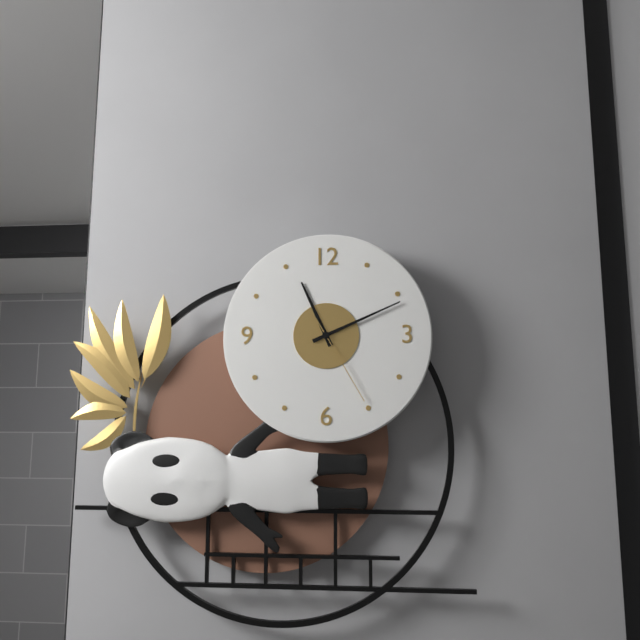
11:11:25
